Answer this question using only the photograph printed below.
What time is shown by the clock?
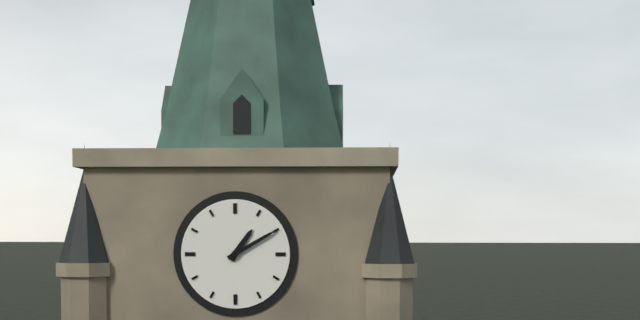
1:10
